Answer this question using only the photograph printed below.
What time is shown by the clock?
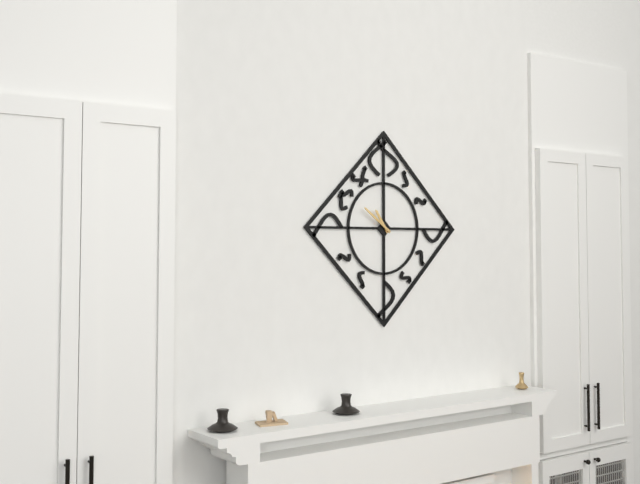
10:51
